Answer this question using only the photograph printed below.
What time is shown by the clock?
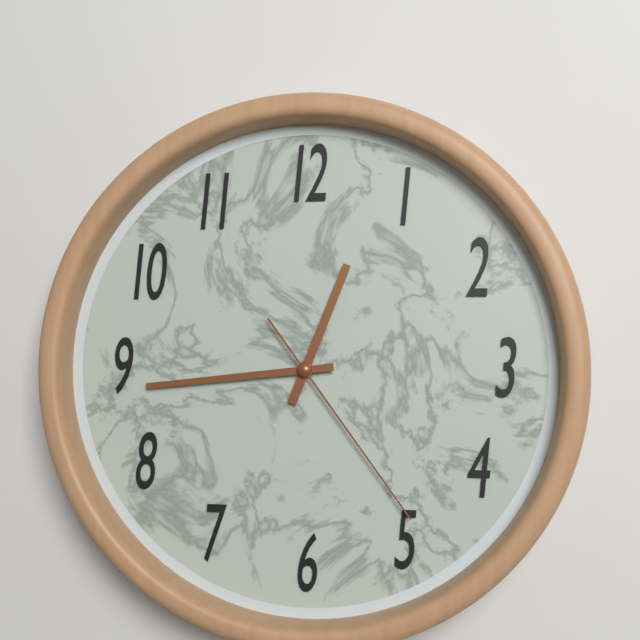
12:44:24
